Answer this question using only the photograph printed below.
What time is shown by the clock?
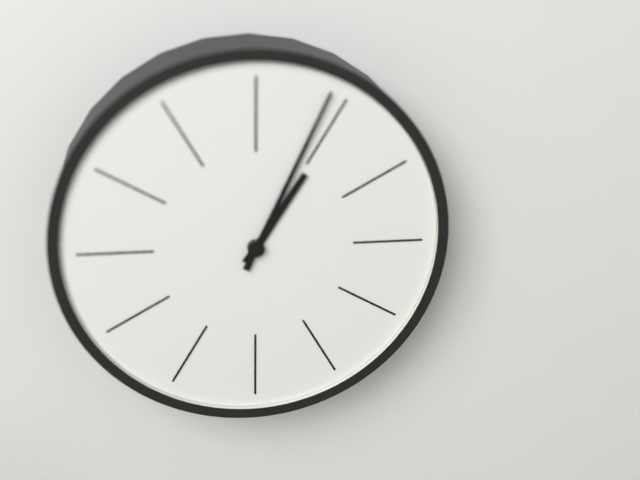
1:04
